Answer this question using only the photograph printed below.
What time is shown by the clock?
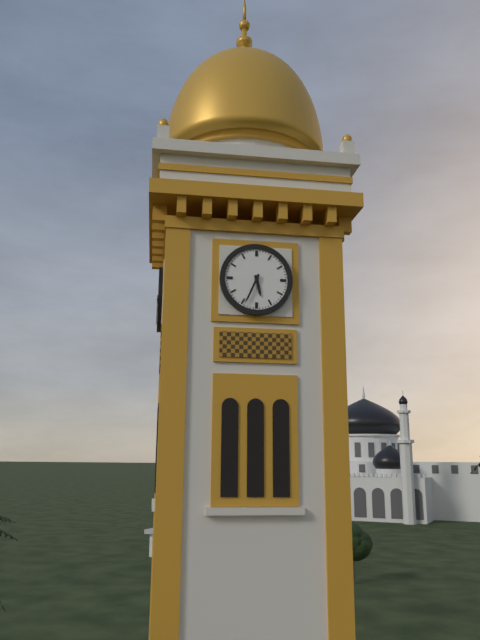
5:34
